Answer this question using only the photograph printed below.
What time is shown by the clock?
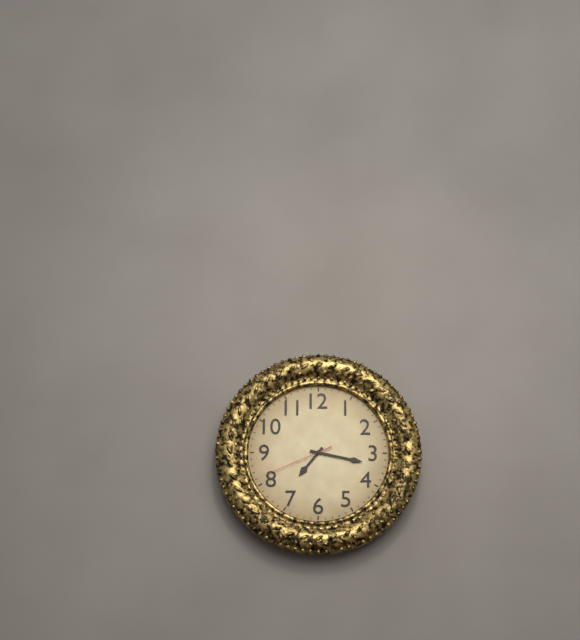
7:17:41
